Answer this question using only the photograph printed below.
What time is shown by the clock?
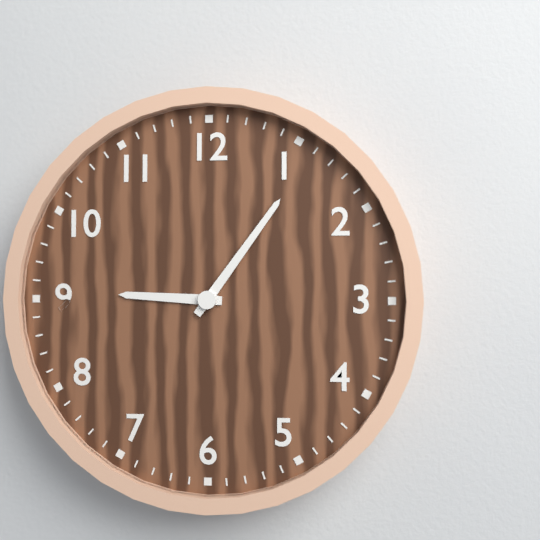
9:06
